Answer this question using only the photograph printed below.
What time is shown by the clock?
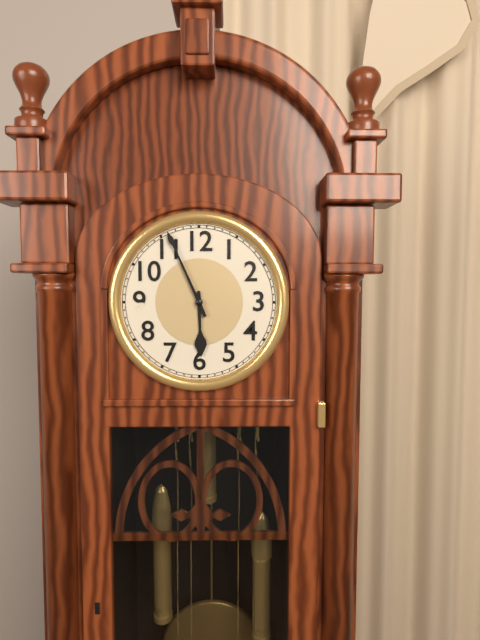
5:56
